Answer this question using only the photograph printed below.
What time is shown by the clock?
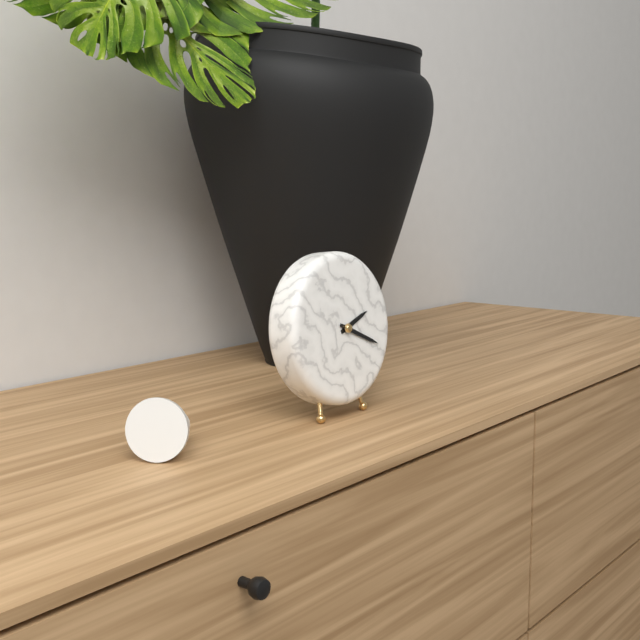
2:19
